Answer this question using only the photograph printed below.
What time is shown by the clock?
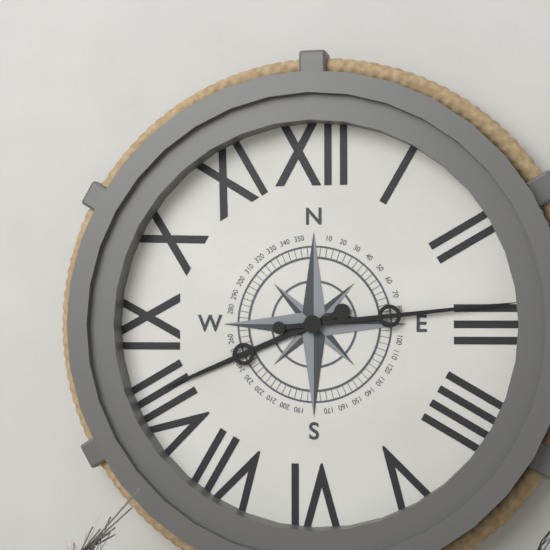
8:14
